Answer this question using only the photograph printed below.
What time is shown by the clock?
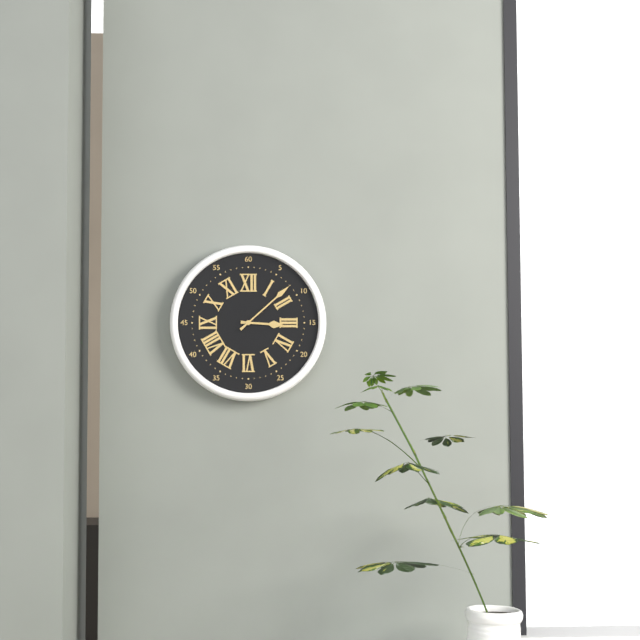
3:08
